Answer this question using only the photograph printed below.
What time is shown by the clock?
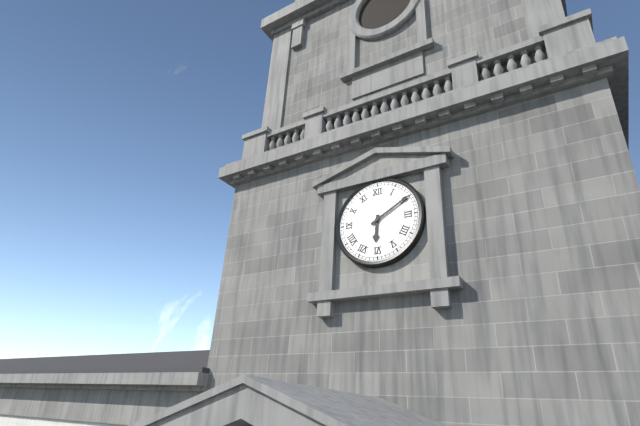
6:10
